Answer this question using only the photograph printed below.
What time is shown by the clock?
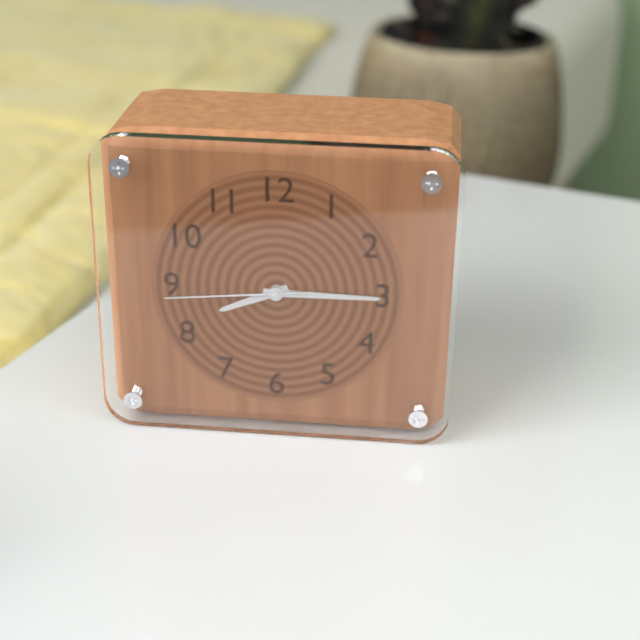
8:15:44
